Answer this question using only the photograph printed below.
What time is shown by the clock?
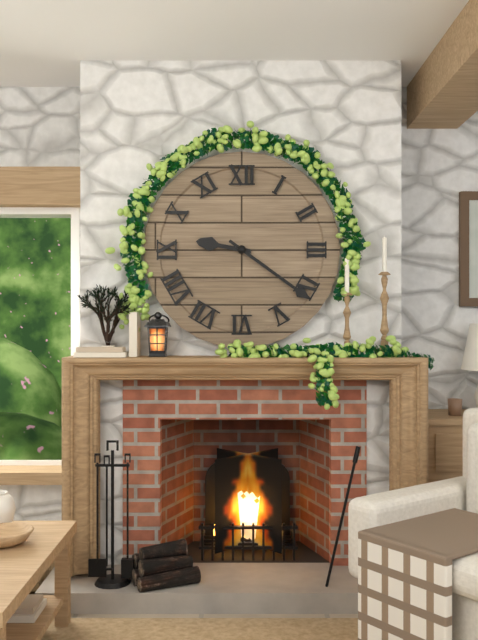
9:21
